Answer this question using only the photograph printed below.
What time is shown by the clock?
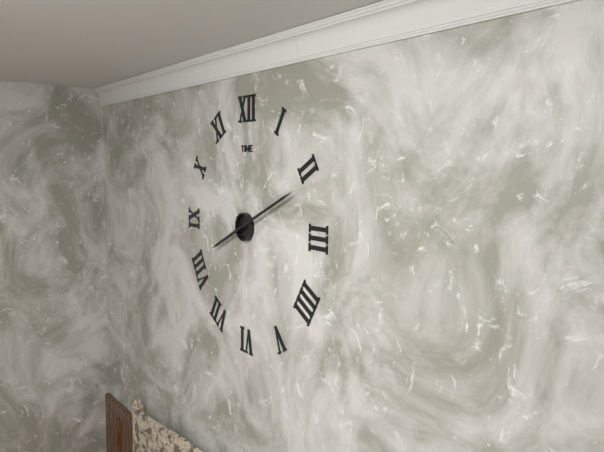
8:11
